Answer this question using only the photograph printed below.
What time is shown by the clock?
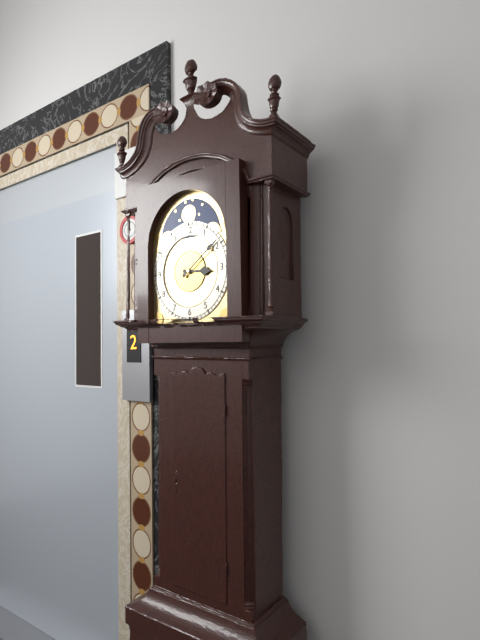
3:09
